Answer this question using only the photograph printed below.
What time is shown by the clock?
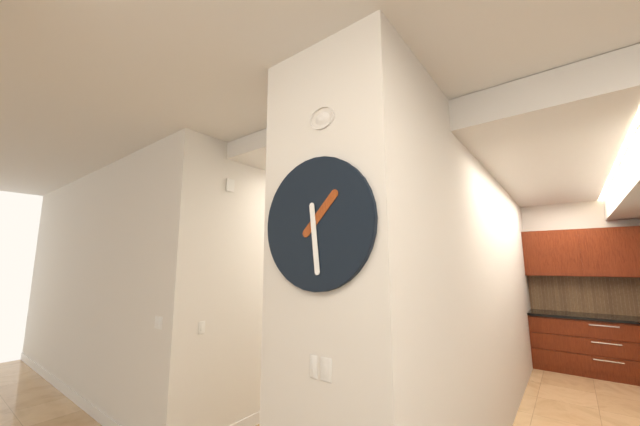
1:29
